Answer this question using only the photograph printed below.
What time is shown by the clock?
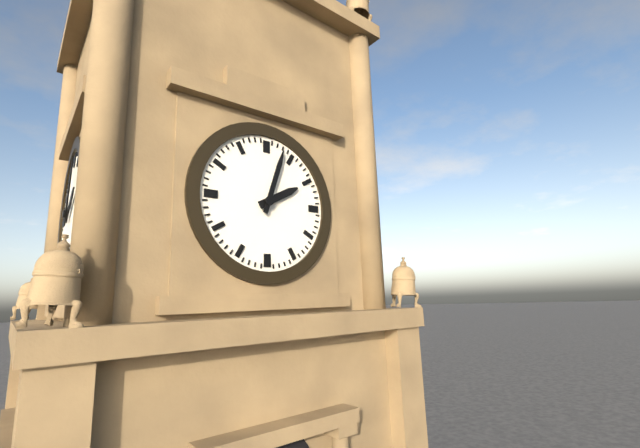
2:03
